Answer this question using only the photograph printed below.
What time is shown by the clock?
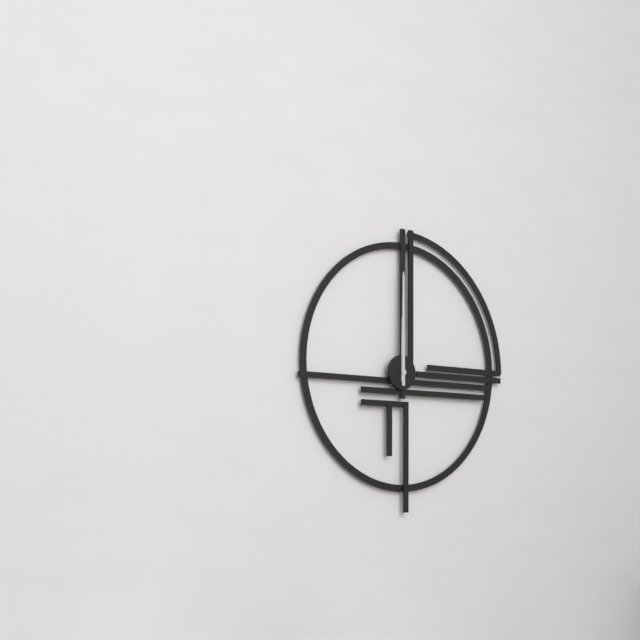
12:00
